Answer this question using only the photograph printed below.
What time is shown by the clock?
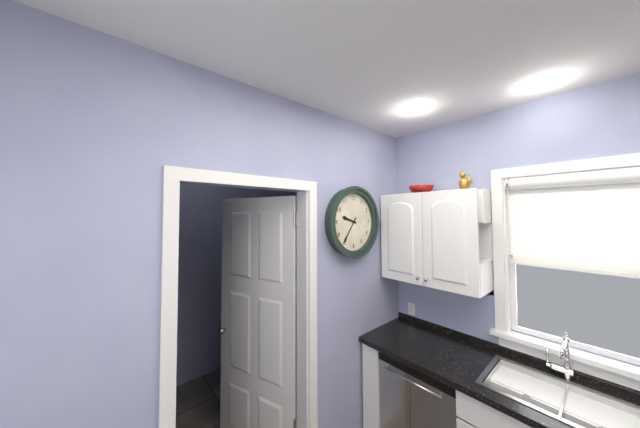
9:36
